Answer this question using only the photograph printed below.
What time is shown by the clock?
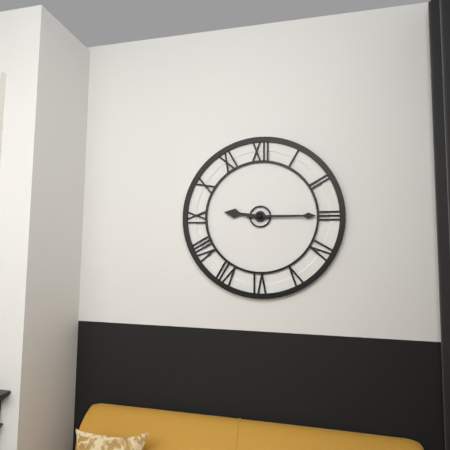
9:15
